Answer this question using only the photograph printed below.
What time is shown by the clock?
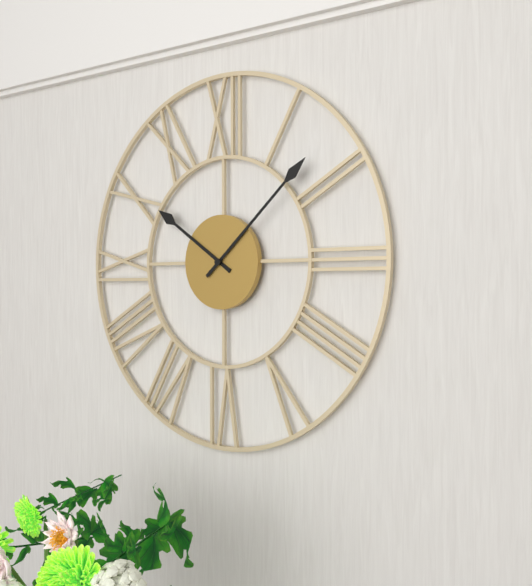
10:08
